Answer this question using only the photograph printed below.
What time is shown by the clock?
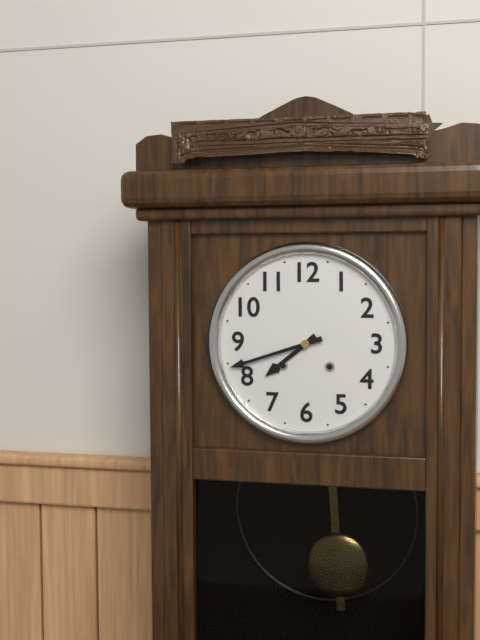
7:42
